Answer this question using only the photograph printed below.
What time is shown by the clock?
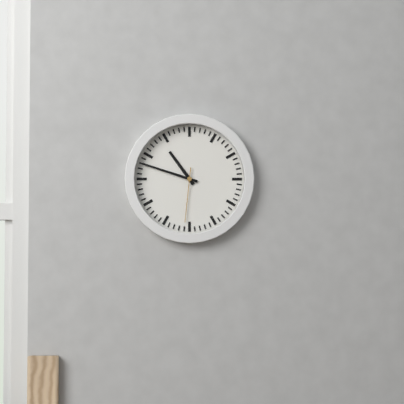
10:48:31
